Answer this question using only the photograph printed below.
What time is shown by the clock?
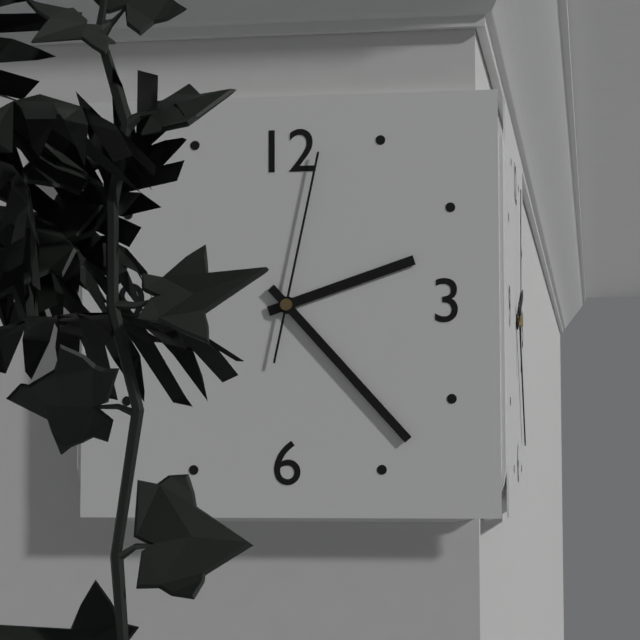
2:23:02
